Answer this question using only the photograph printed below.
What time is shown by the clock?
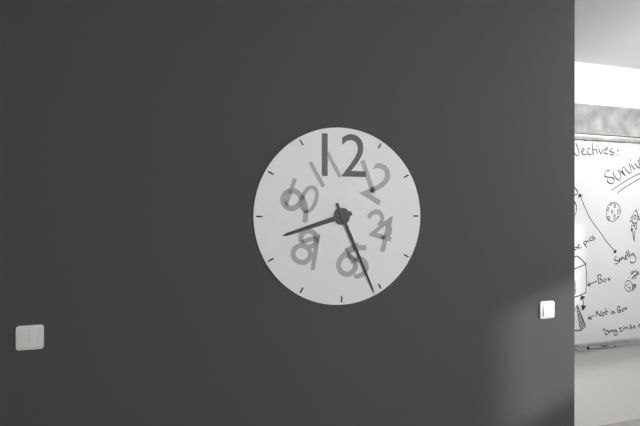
8:26
